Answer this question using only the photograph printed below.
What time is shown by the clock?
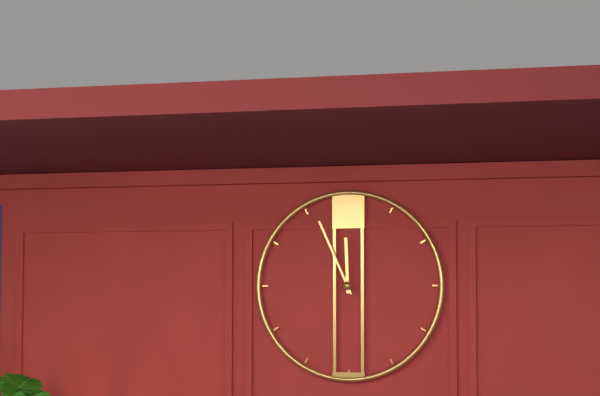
11:56
